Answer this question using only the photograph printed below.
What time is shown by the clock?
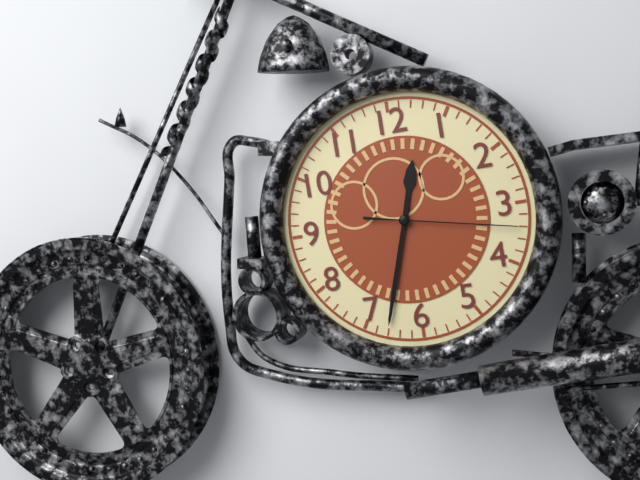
12:33:17
